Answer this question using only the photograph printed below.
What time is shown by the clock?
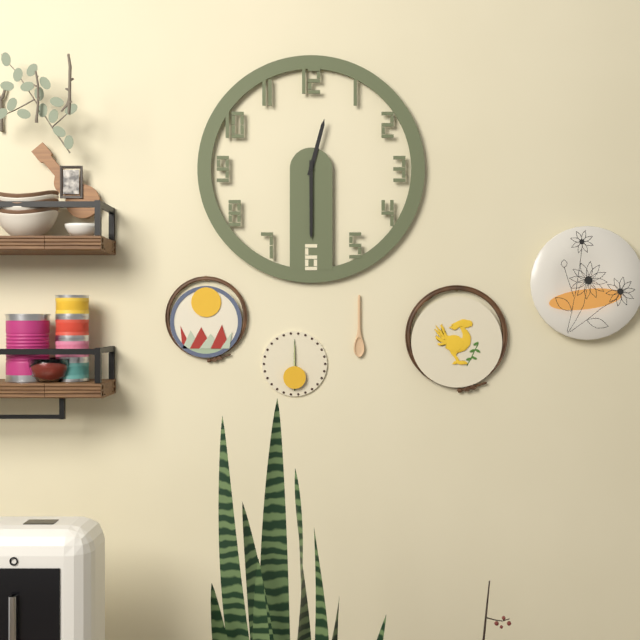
12:30
